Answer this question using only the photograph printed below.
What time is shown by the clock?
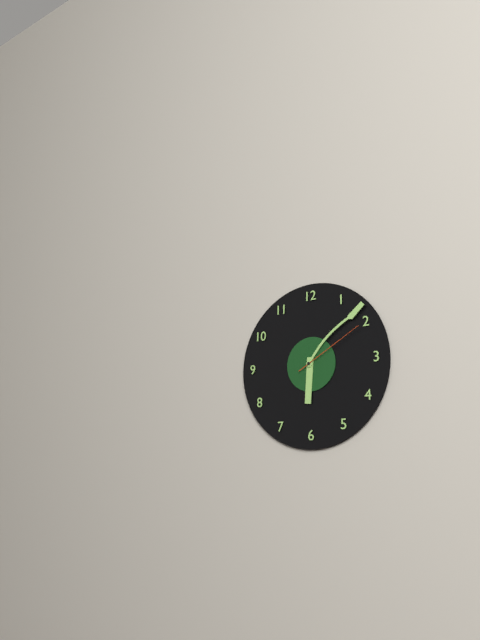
6:08:10
